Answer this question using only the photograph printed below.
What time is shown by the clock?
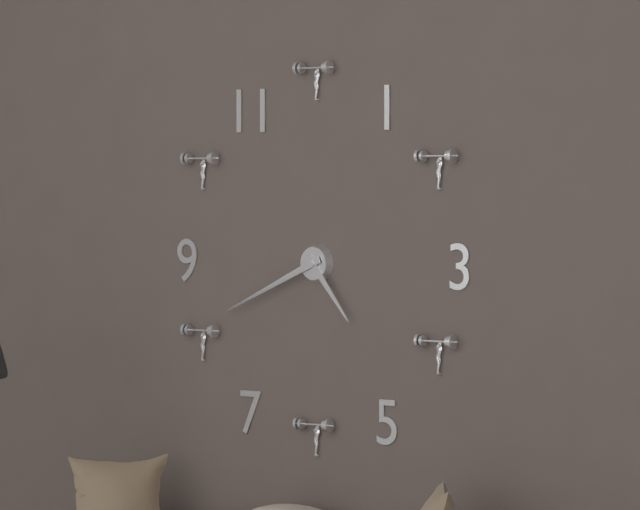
4:41
